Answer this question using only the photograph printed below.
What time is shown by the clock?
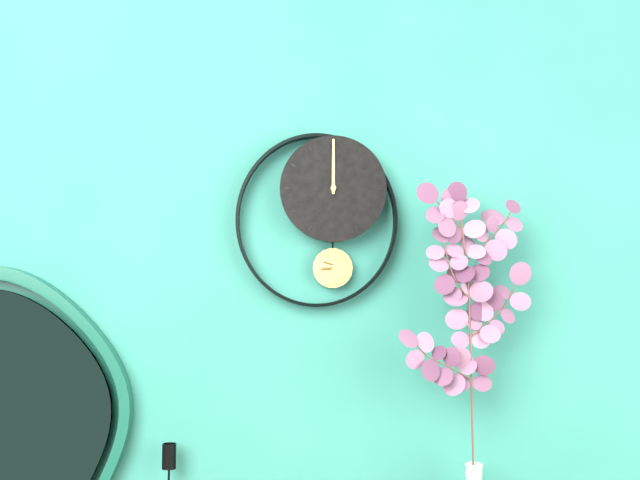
12:00
